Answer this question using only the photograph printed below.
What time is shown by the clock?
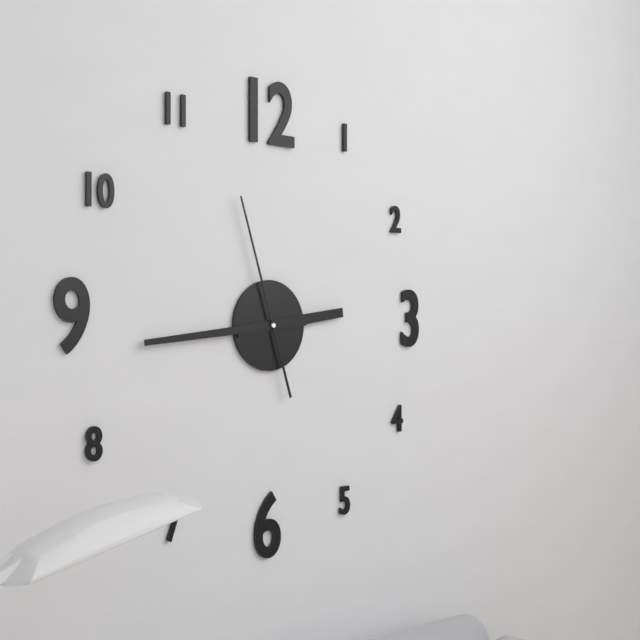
2:44:57
